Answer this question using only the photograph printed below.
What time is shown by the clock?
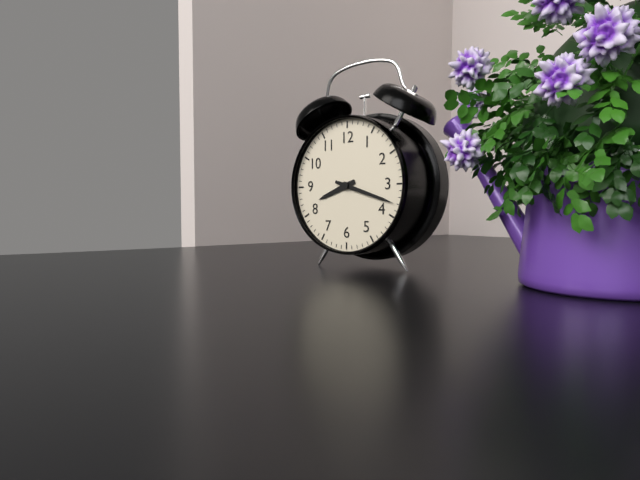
8:18
